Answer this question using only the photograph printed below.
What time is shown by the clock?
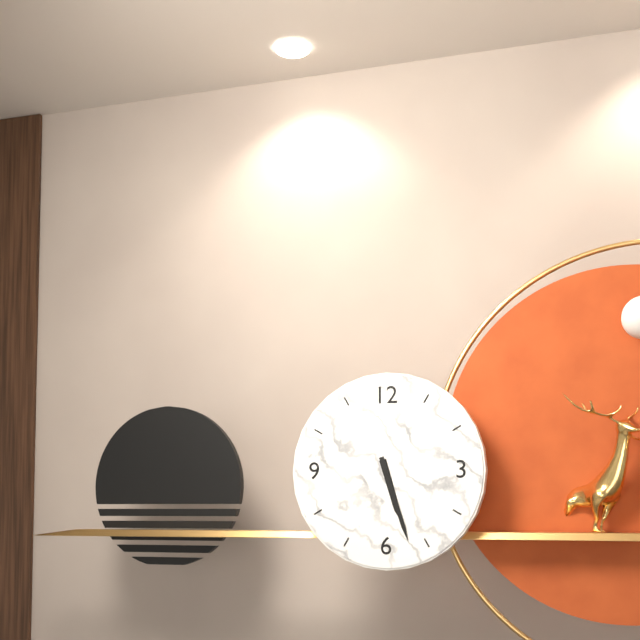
5:27
